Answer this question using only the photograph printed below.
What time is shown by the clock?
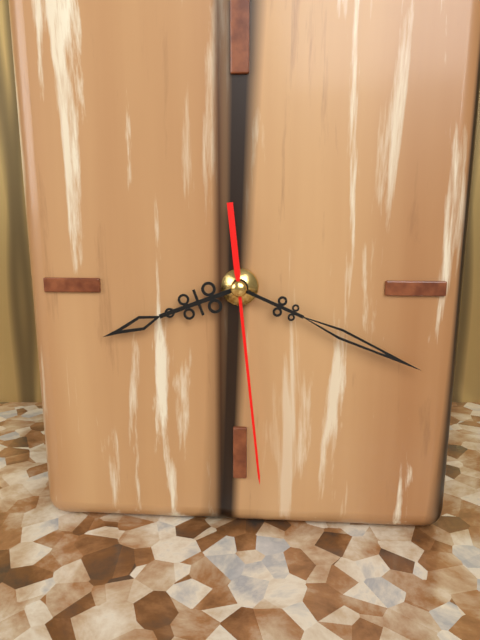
8:19:29
